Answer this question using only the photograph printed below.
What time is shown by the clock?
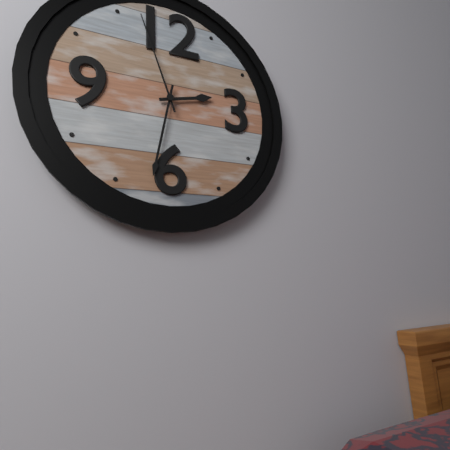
2:32:57
